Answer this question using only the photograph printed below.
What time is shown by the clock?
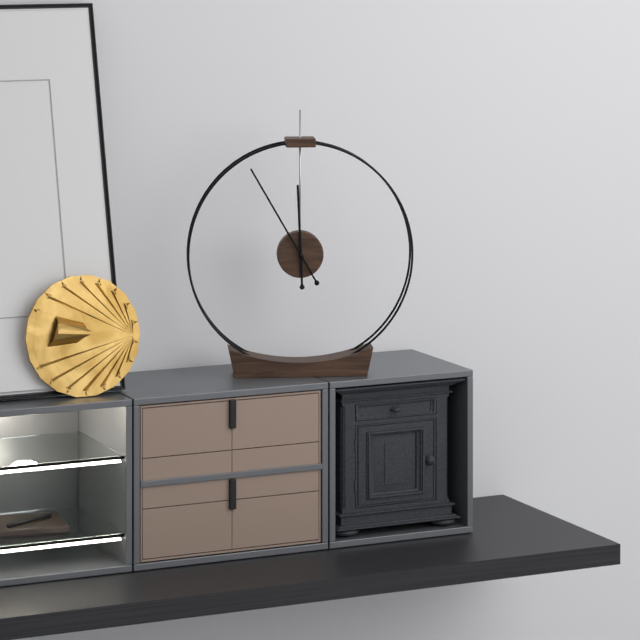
11:55
